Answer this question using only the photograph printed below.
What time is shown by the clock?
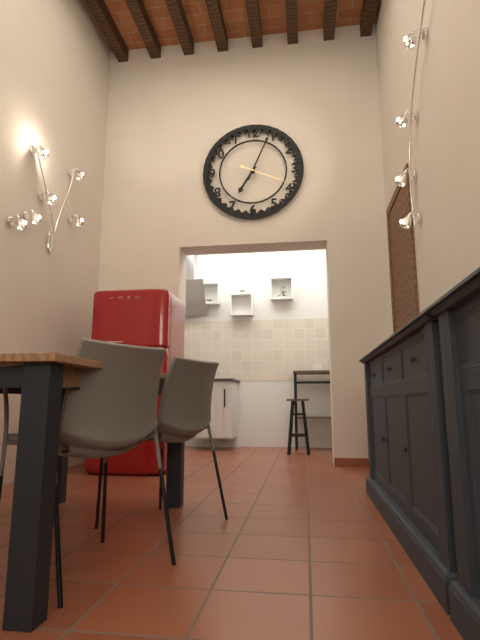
7:04
